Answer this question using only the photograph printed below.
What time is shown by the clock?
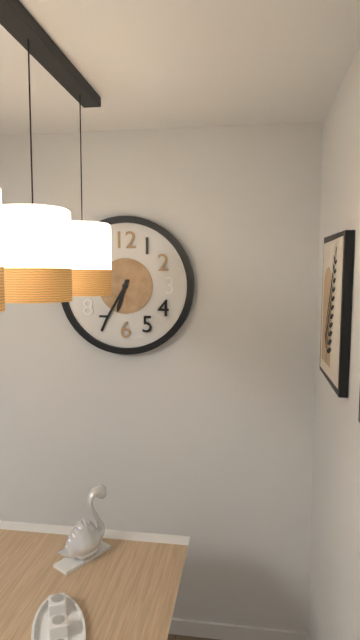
6:35
